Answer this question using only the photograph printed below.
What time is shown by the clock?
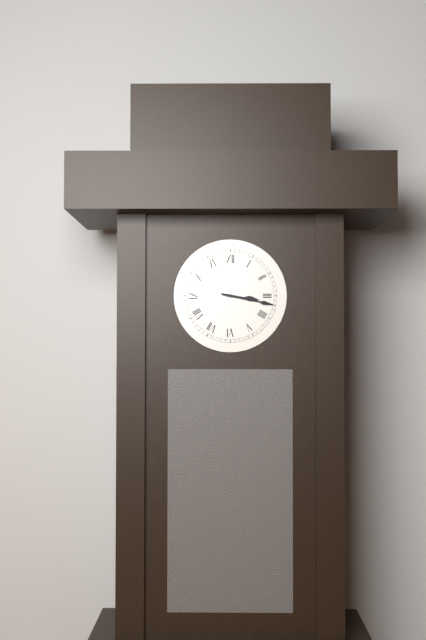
3:17
